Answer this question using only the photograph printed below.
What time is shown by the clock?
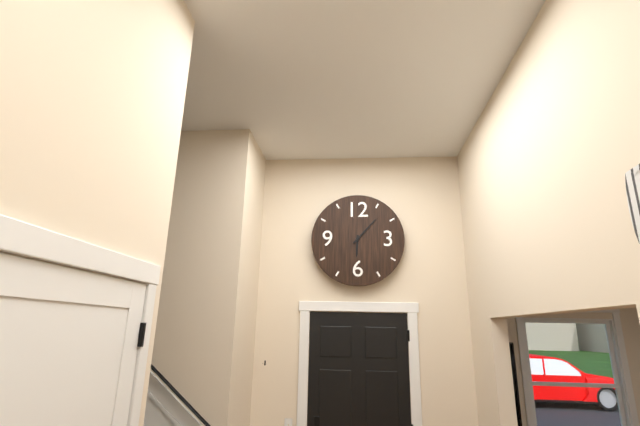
6:07
